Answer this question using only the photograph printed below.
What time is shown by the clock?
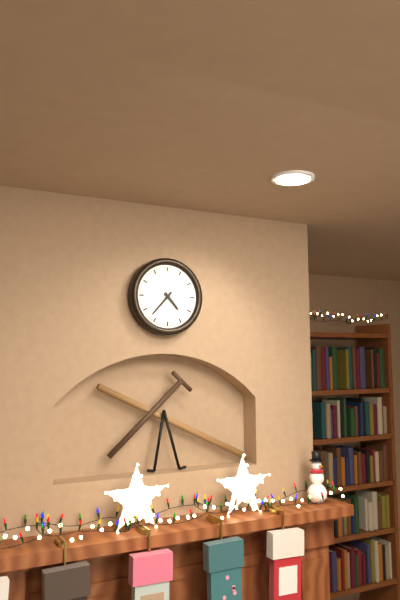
4:37
